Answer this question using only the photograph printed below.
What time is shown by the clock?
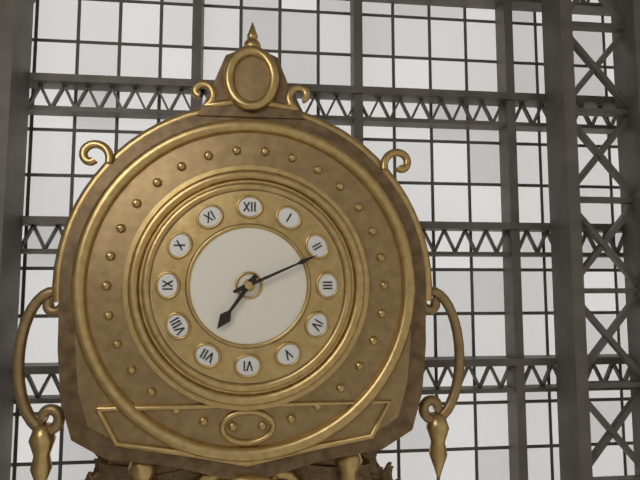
7:11
